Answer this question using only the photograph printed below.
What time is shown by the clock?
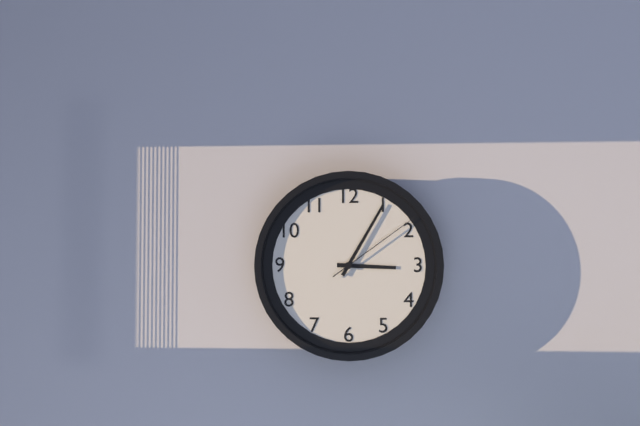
3:05:09
